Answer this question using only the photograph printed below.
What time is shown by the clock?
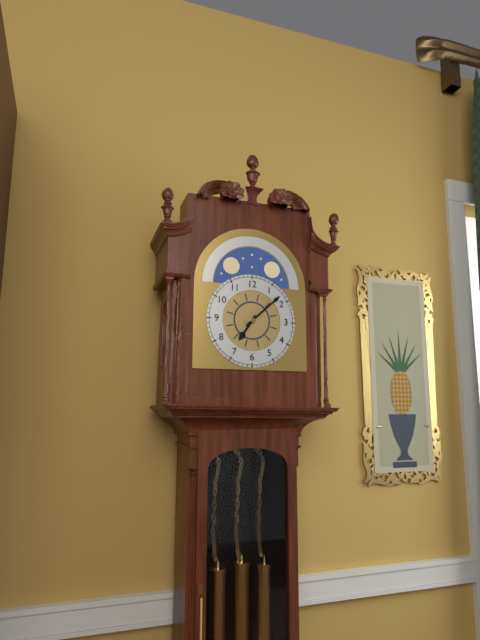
7:08
